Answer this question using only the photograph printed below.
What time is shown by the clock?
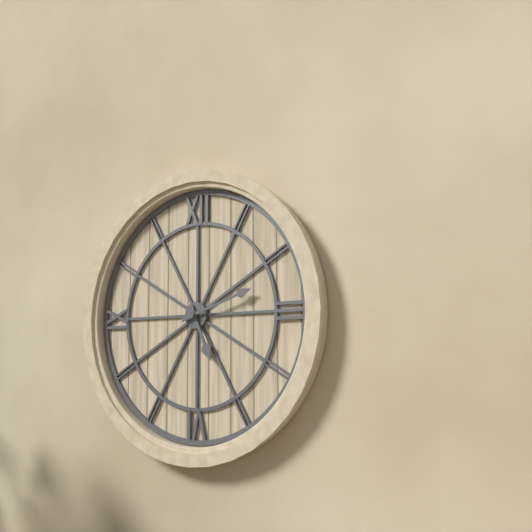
5:12
